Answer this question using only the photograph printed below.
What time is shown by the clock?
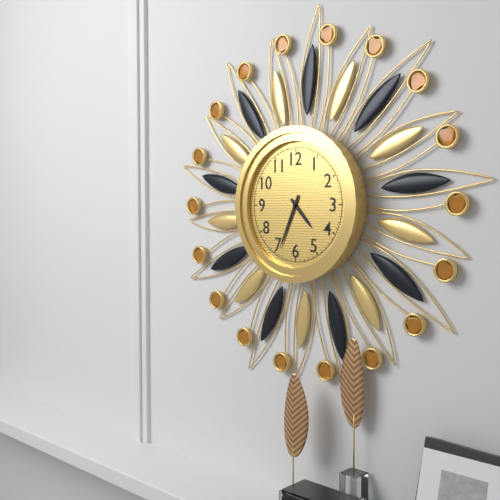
4:34
